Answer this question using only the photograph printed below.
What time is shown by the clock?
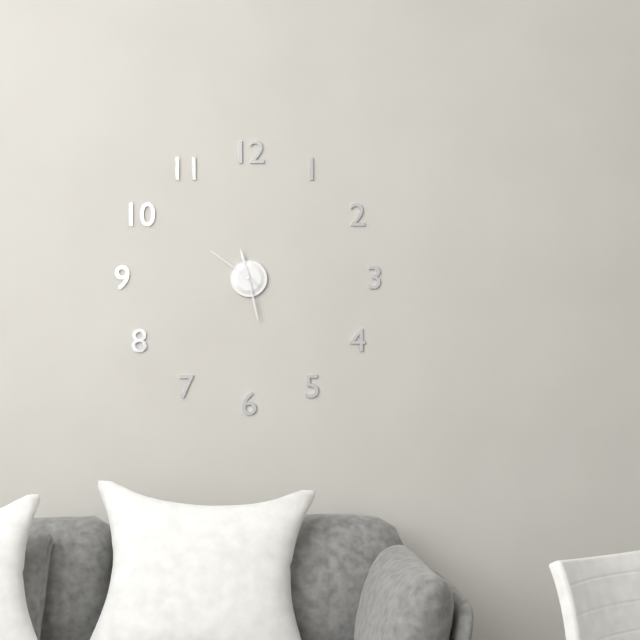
11:28:51
